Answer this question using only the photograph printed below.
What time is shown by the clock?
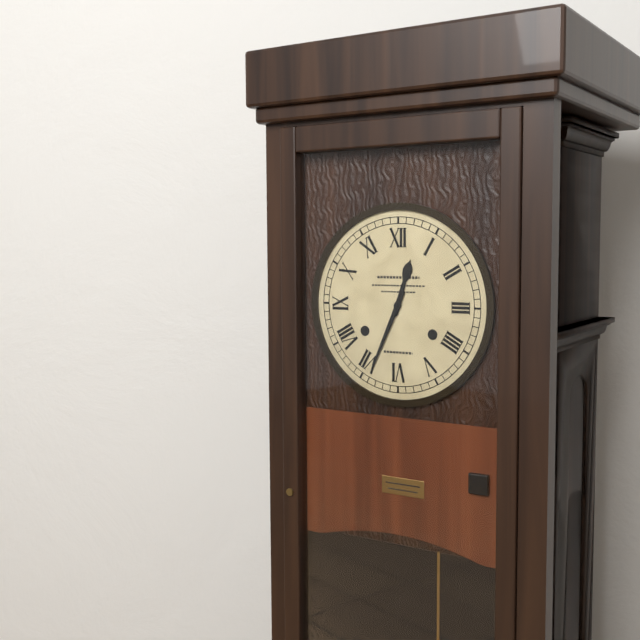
12:34
